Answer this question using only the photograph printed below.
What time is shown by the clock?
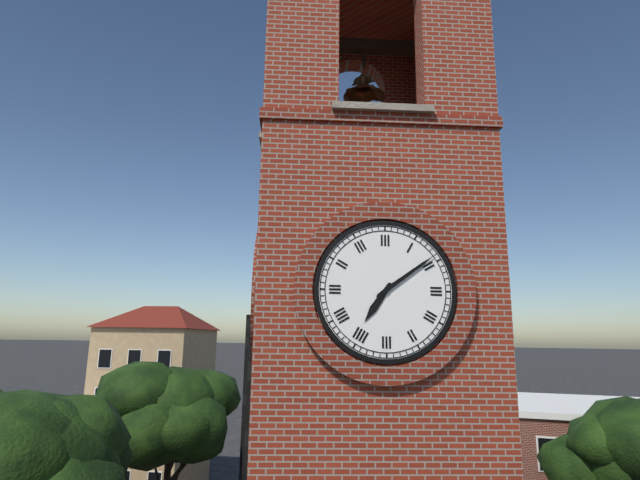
7:09
